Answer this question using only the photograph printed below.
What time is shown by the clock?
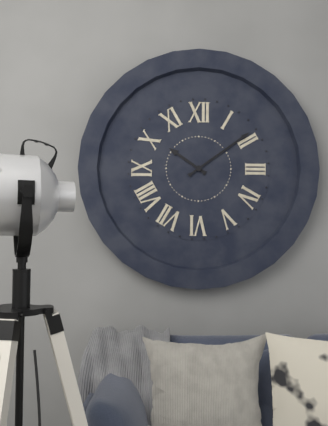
10:09
